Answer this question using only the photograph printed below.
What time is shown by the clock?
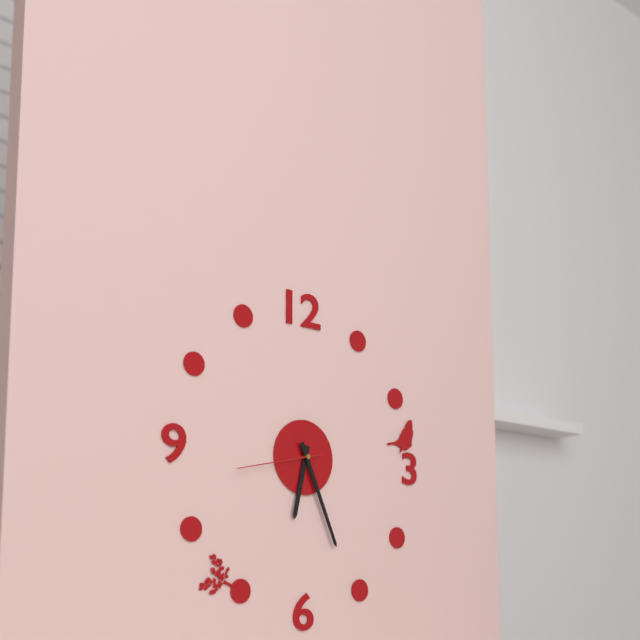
6:26:43
